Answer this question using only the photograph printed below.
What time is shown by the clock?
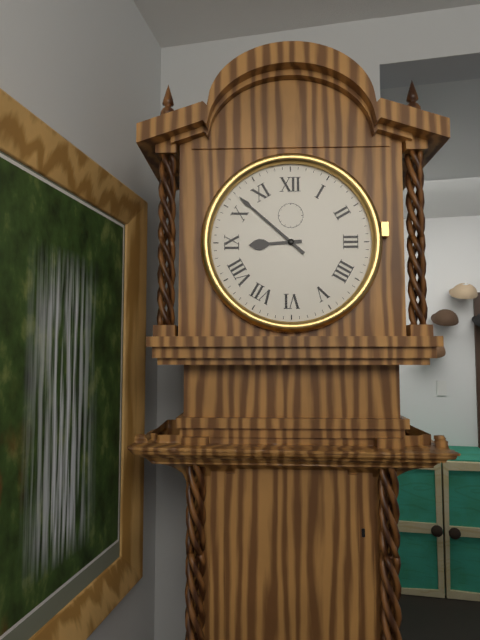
8:52
